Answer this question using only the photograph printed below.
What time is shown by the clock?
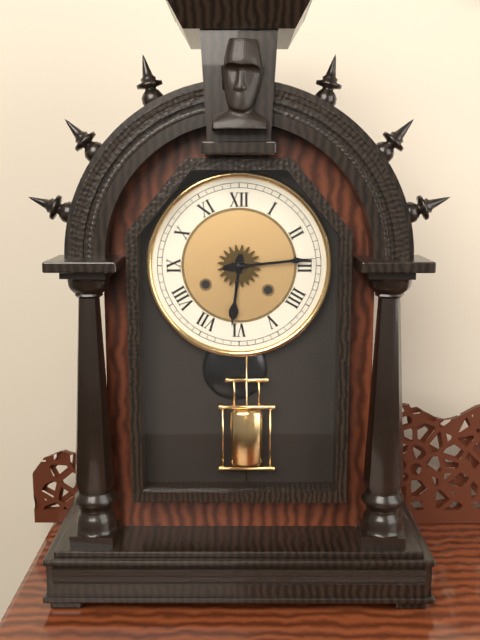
6:14
